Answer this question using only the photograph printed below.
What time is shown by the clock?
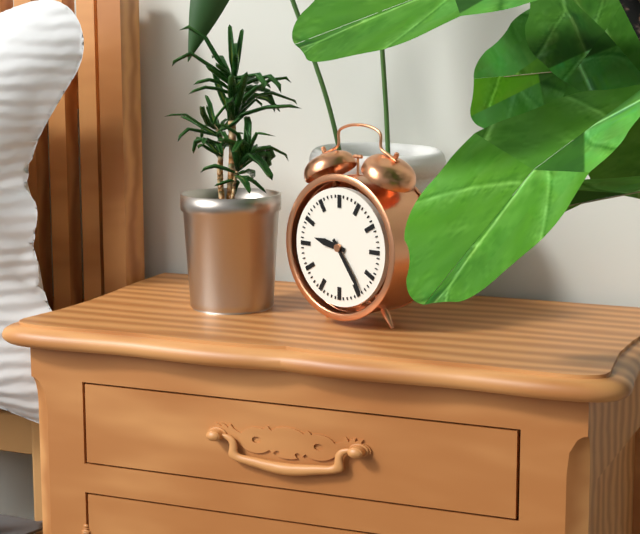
9:24
